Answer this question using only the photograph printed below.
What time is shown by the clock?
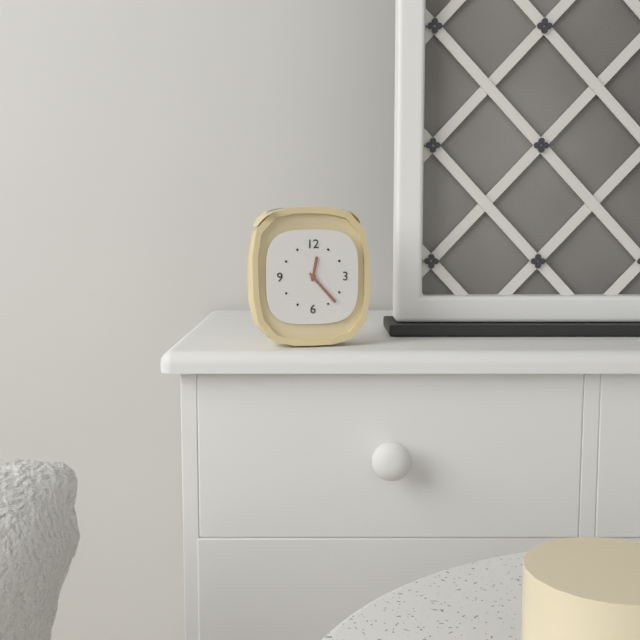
12:23
